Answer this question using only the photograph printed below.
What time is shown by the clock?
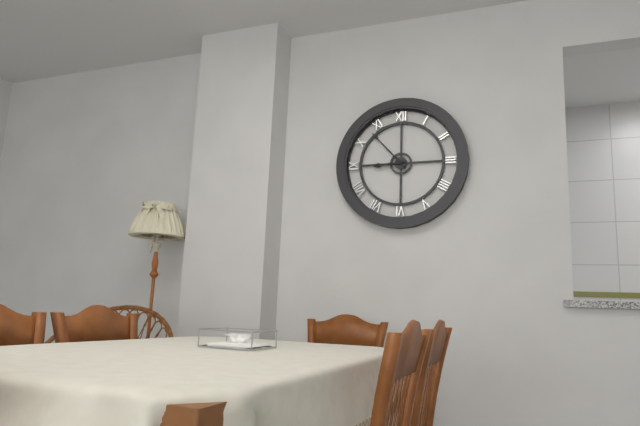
8:53
